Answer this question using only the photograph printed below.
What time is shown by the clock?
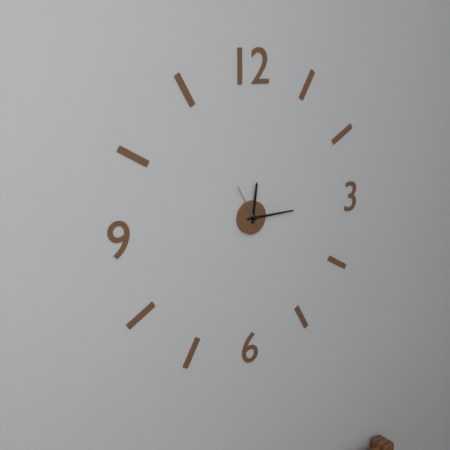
12:15
